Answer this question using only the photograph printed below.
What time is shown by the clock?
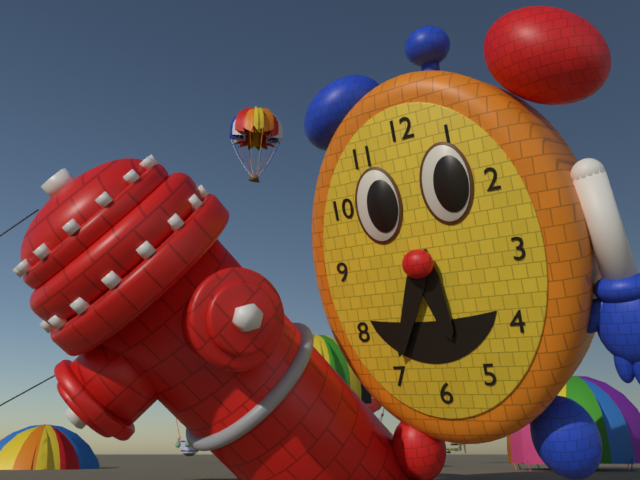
5:34
